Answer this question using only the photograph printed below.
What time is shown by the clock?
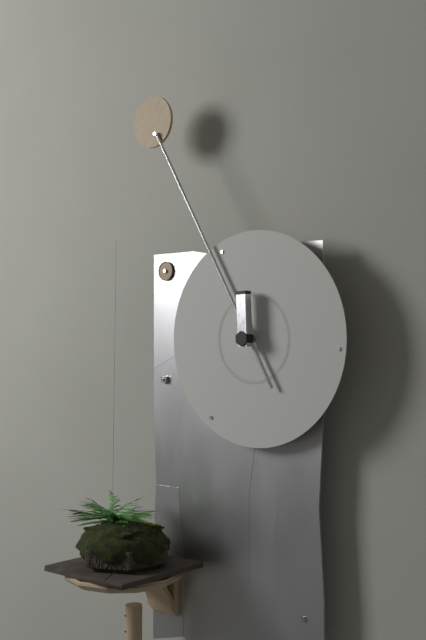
11:55
